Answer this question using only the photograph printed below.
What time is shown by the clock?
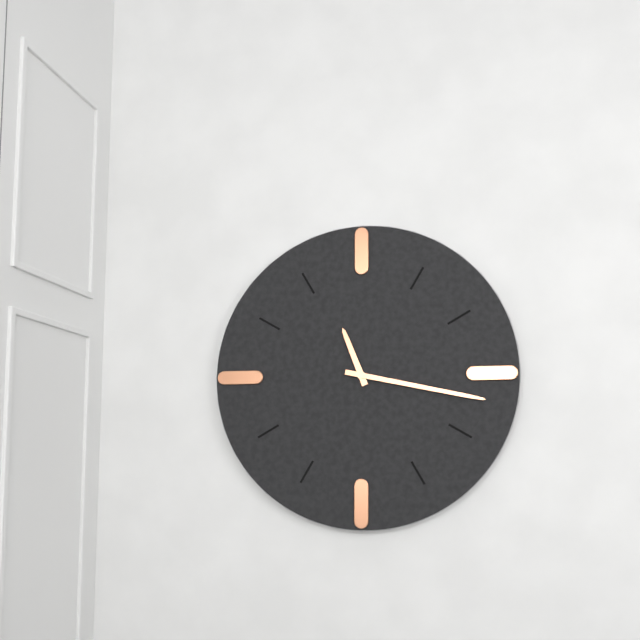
11:17
